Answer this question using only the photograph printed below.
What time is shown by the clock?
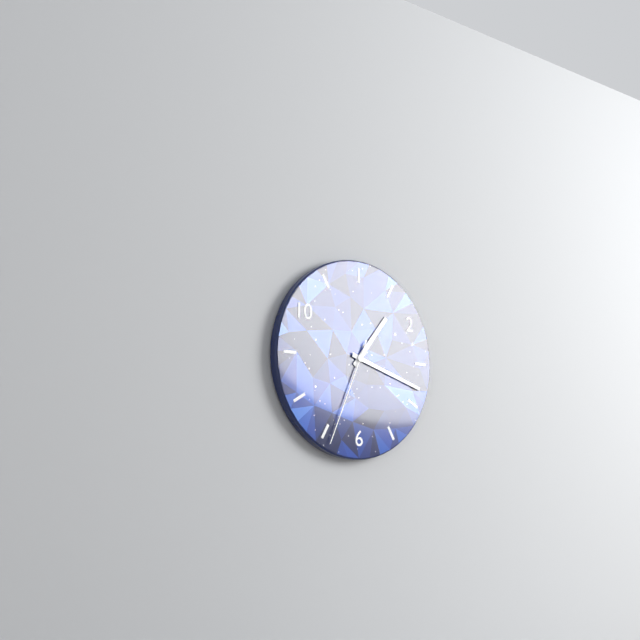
1:18:34
